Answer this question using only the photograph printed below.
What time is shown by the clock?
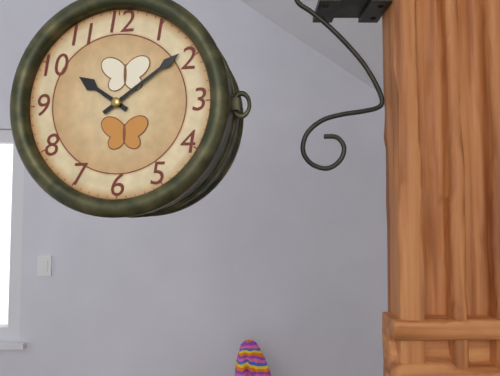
10:09
